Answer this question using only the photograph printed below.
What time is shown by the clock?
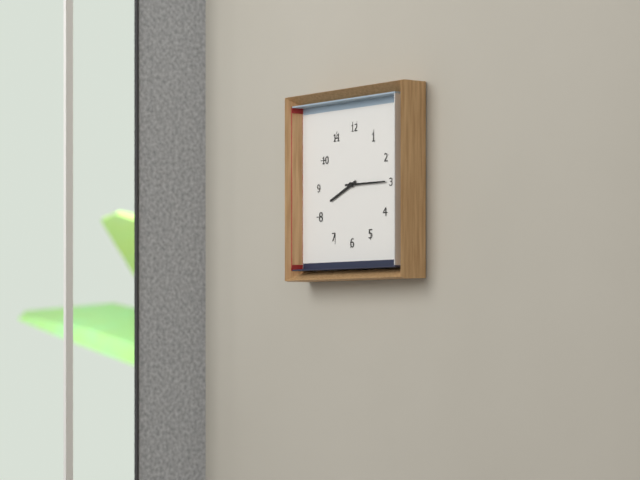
8:15
